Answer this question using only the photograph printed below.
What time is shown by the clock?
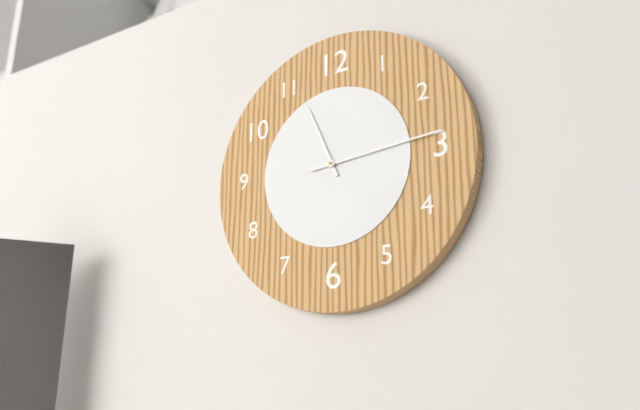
11:14
